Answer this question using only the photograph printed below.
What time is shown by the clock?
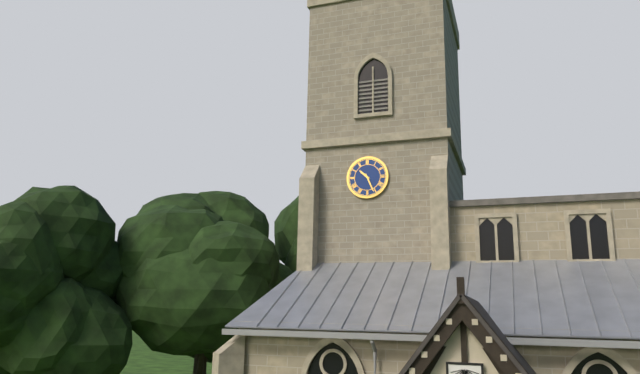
10:26
